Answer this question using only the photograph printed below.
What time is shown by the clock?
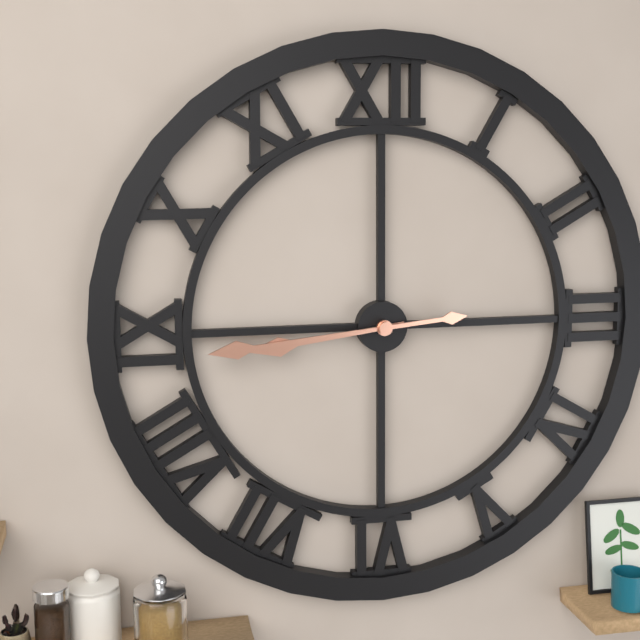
8:44
